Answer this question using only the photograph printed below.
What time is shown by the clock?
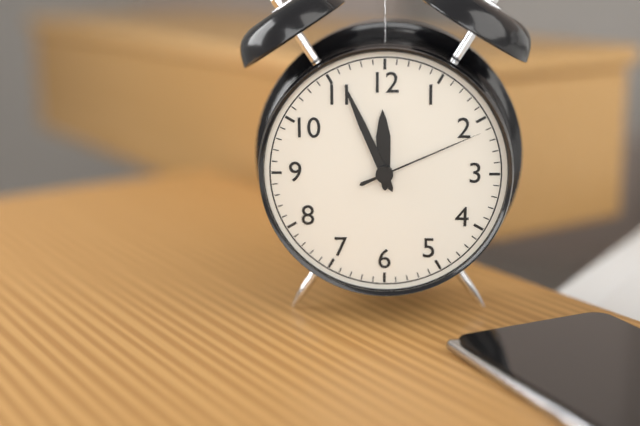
11:56:11
